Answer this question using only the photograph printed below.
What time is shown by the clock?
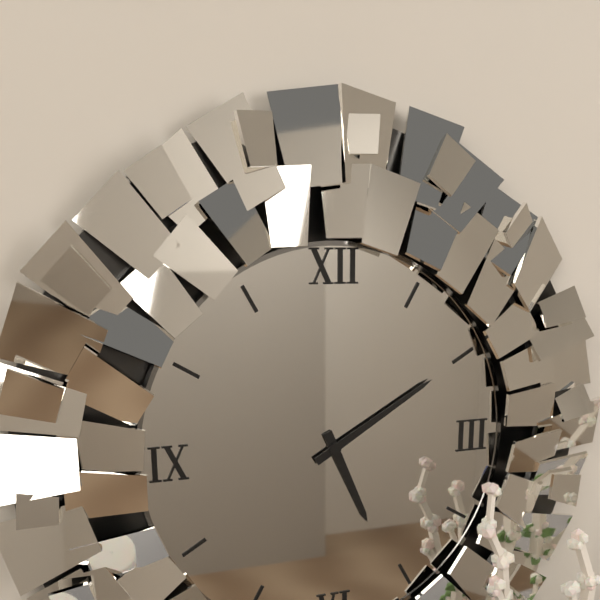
5:10
